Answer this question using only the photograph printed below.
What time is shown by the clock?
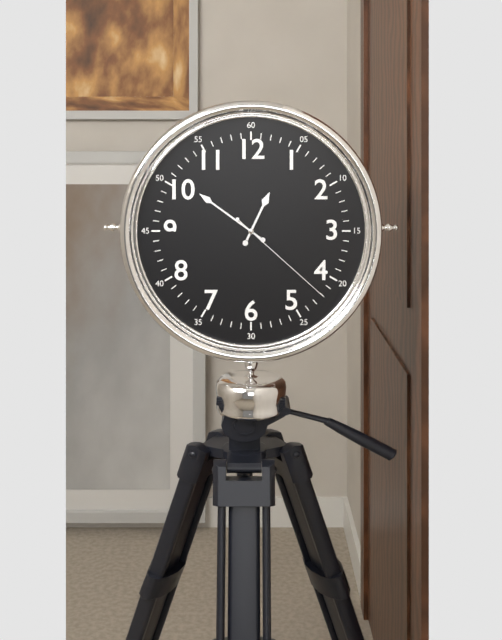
12:51:22
